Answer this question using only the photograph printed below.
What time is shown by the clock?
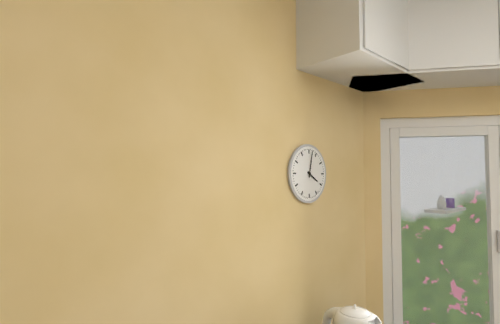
4:02
